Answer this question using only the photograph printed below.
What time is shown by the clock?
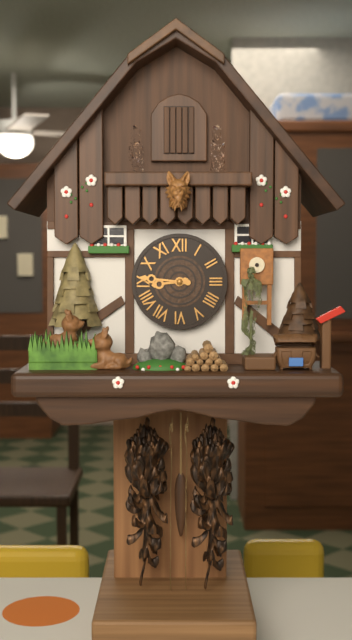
8:46
